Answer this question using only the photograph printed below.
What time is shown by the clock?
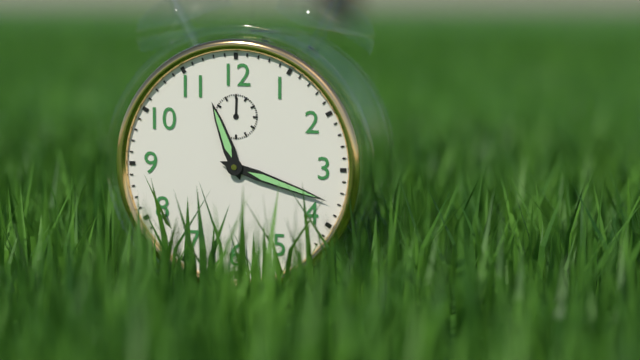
11:18
